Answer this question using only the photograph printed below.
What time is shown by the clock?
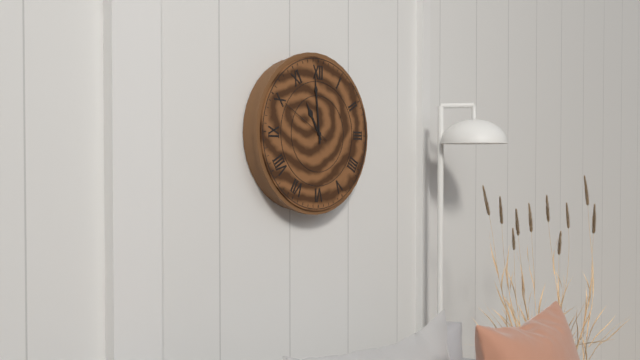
10:59:50
